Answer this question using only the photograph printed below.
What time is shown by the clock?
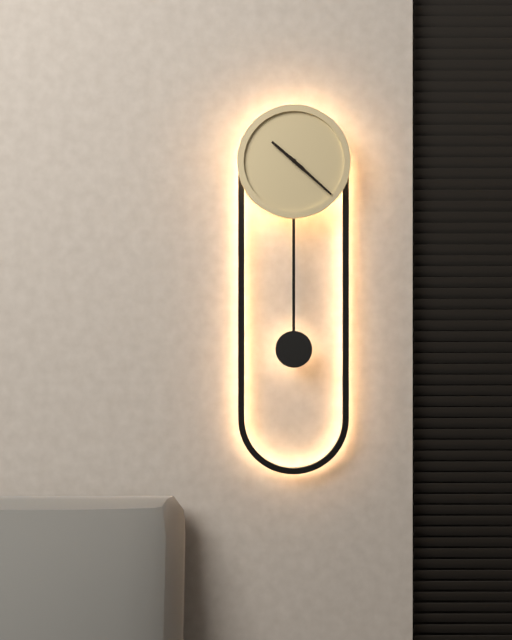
10:22
